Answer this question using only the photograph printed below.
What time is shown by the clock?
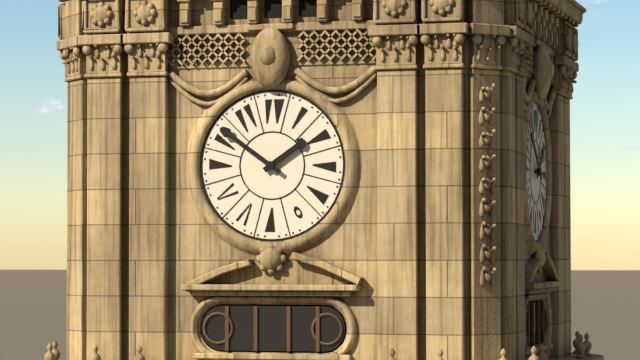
1:51
